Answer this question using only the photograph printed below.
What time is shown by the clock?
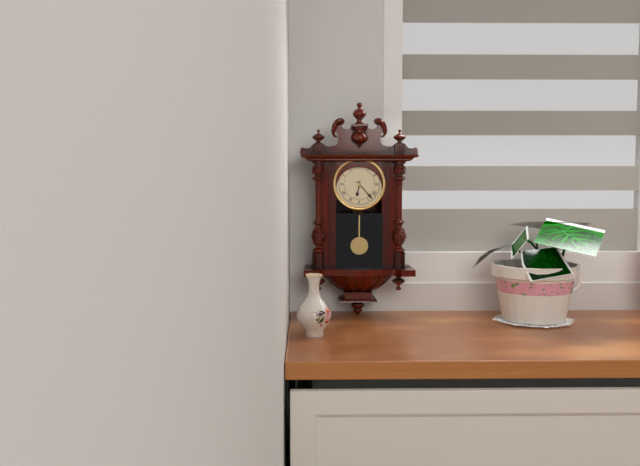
6:23
